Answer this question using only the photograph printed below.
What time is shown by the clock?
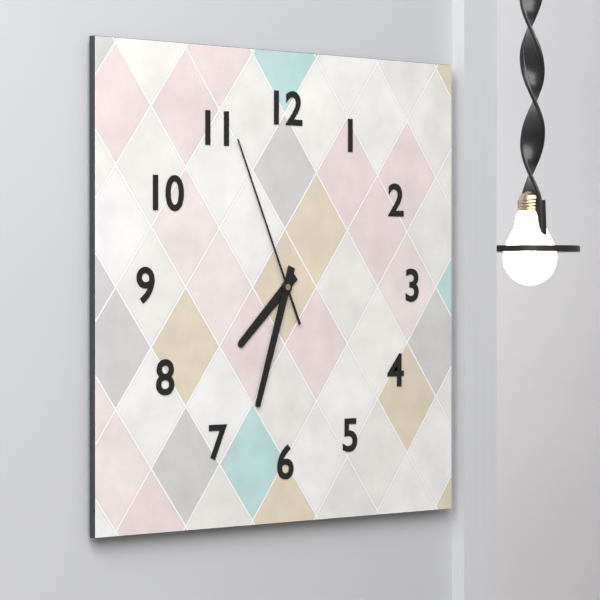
7:33:56
